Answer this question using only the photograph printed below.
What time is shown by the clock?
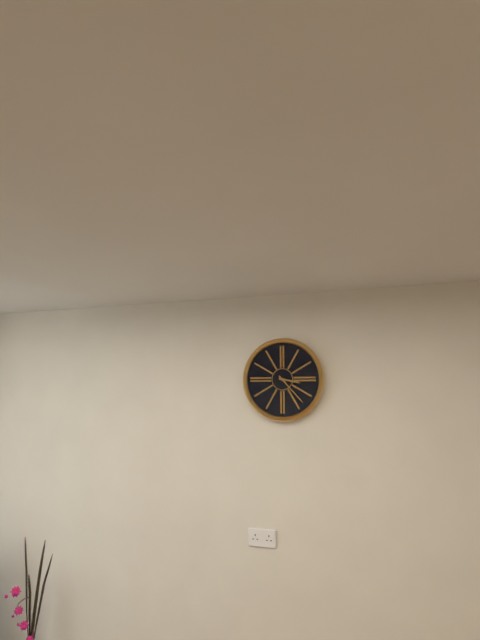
3:23
